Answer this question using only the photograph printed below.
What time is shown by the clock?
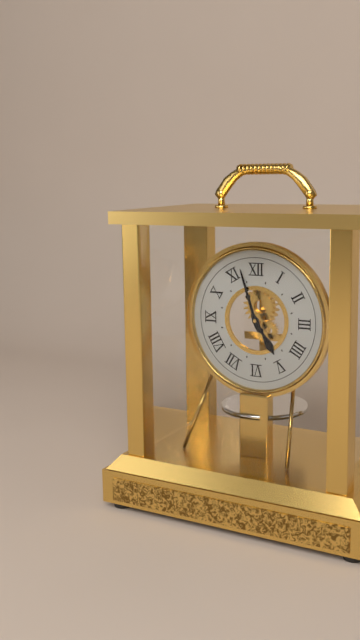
4:57
